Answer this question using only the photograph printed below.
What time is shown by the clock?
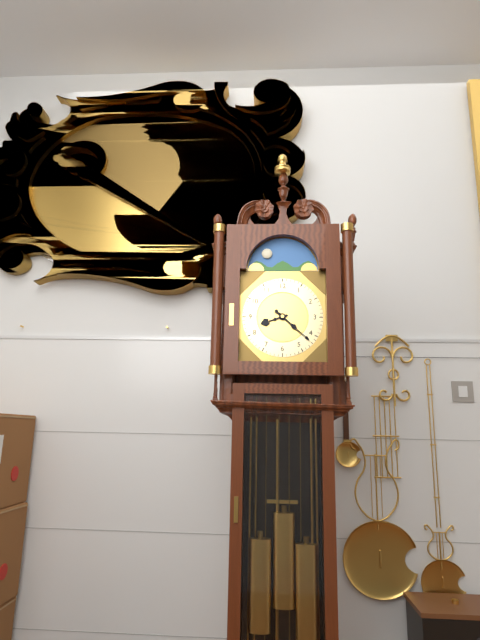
8:22
